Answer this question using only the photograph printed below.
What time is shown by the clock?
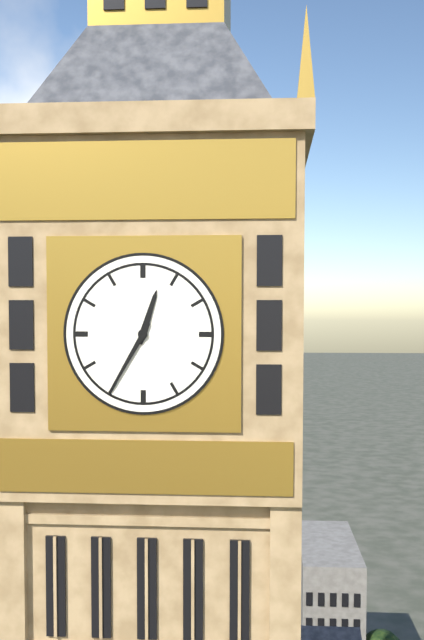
12:35
